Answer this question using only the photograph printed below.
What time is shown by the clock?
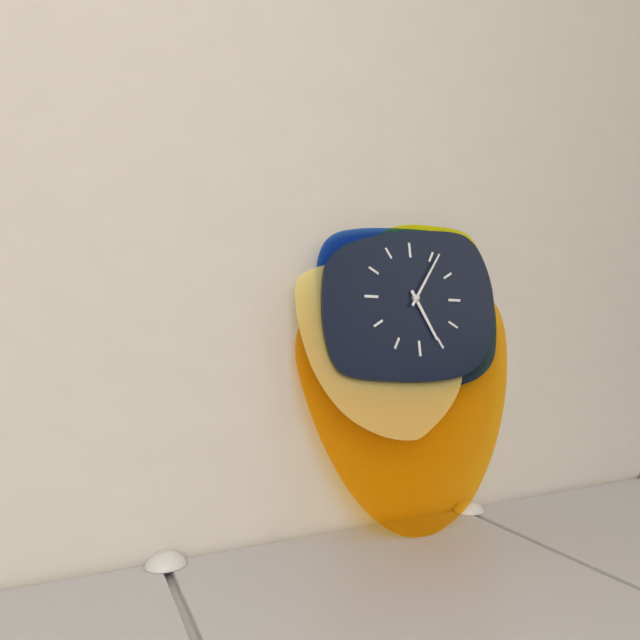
5:06
